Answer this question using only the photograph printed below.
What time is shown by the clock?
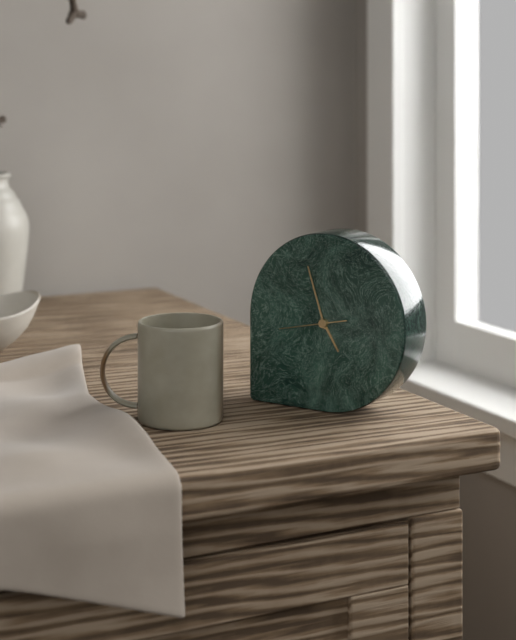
4:57:43
